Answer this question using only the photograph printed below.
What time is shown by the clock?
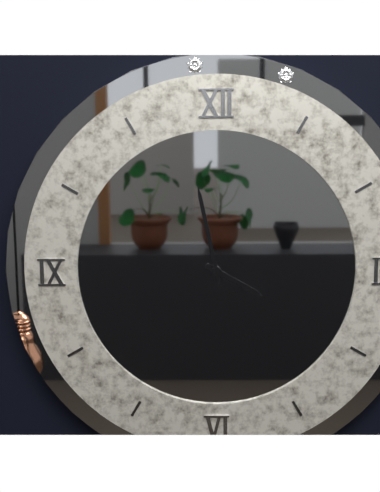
3:58
